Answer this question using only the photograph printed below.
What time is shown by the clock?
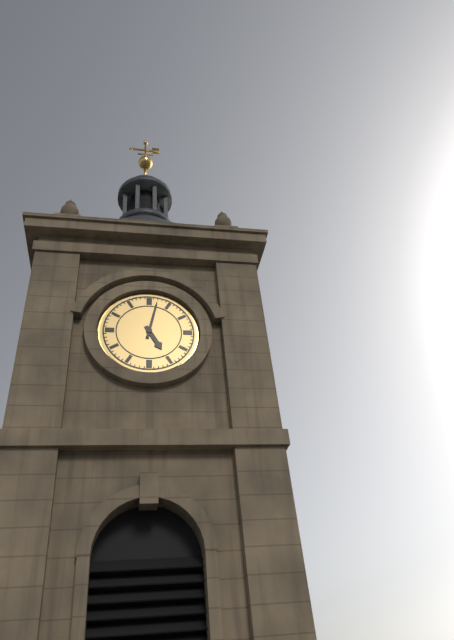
5:02
